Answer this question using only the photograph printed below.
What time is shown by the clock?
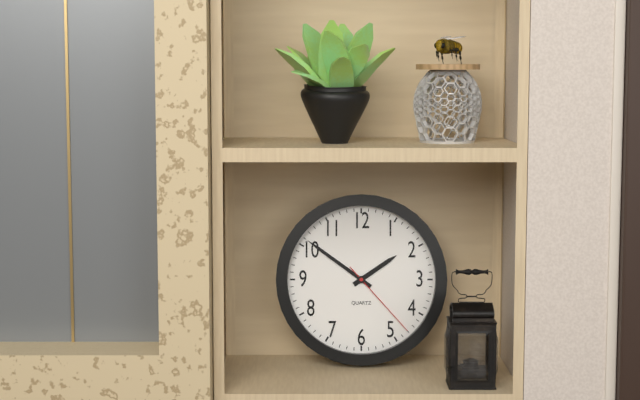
1:51:23
